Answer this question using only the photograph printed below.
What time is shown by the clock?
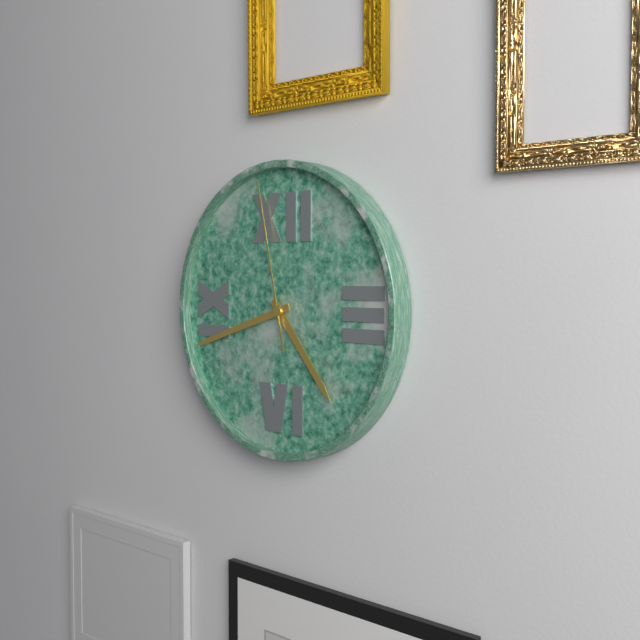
4:42:58
